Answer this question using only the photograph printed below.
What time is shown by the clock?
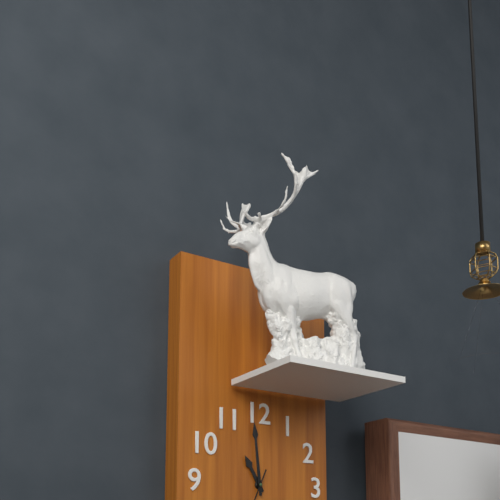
10:59
